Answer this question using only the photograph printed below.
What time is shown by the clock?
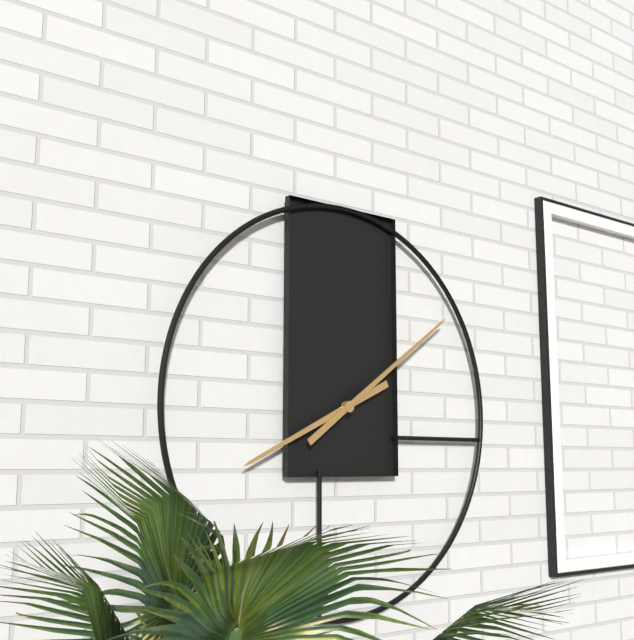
8:09
